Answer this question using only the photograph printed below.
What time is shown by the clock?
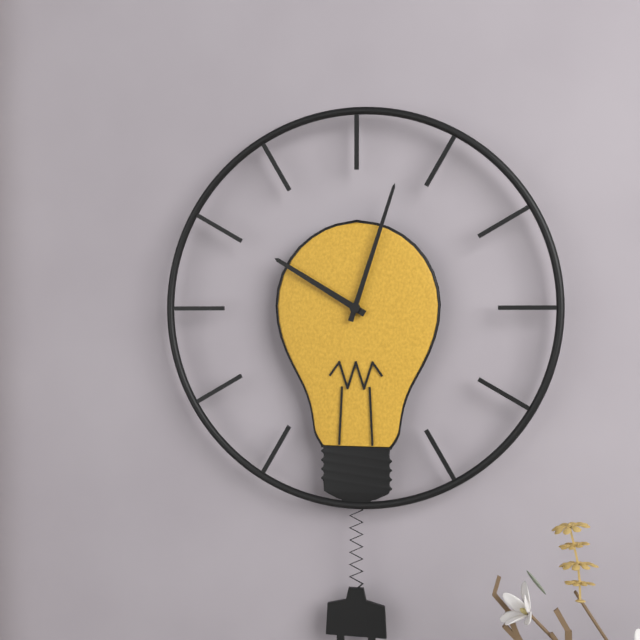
10:03
